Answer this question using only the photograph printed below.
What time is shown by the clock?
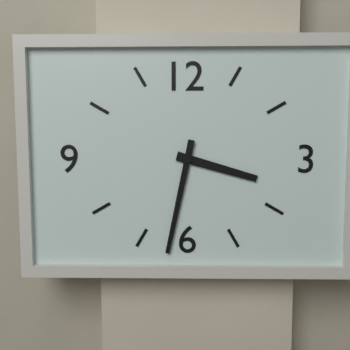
3:32
